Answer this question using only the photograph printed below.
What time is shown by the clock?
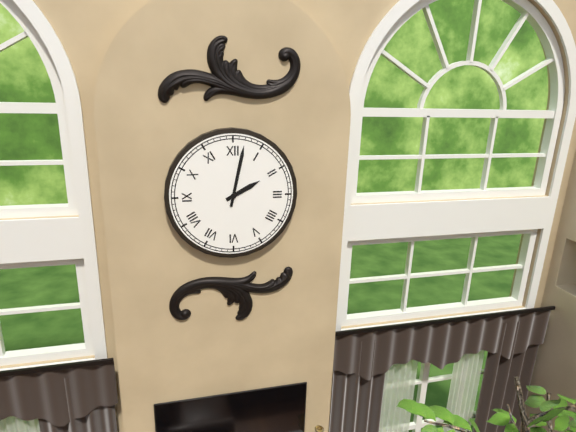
2:02
